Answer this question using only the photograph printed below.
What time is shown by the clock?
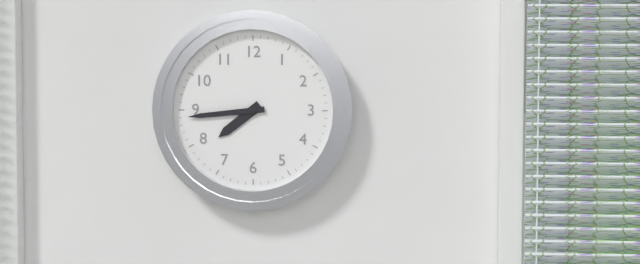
7:44
